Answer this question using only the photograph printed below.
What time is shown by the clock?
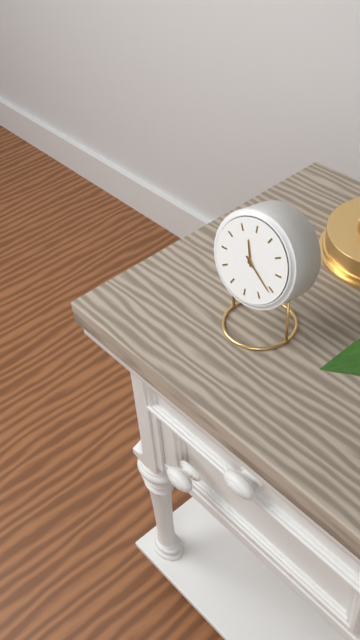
11:21
